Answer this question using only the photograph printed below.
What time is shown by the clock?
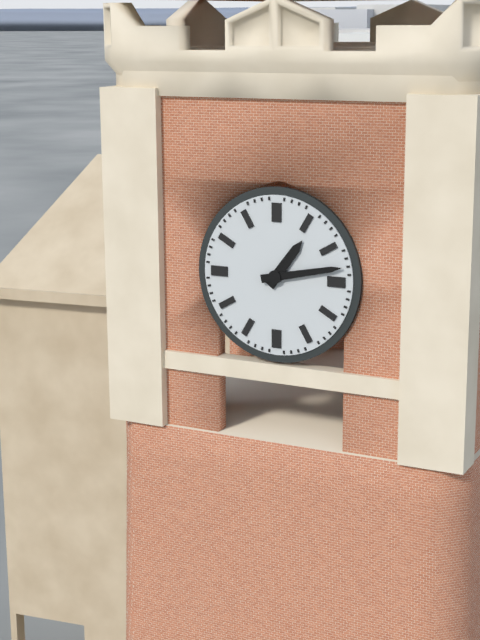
1:13
